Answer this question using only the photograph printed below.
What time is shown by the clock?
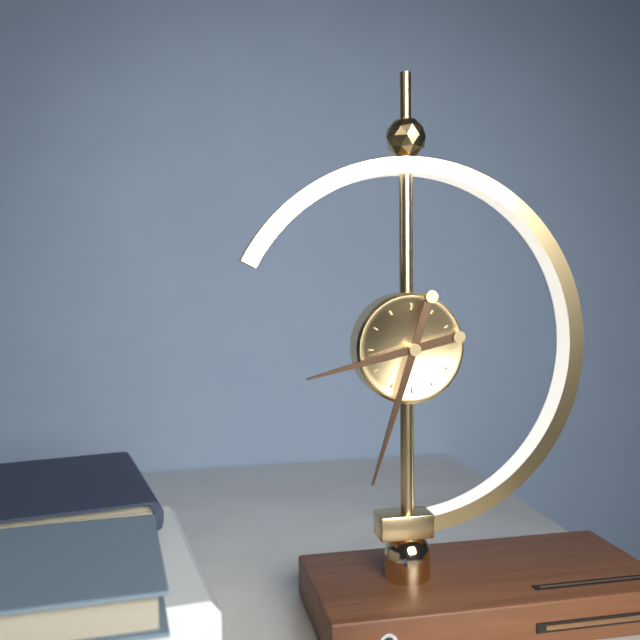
8:33
